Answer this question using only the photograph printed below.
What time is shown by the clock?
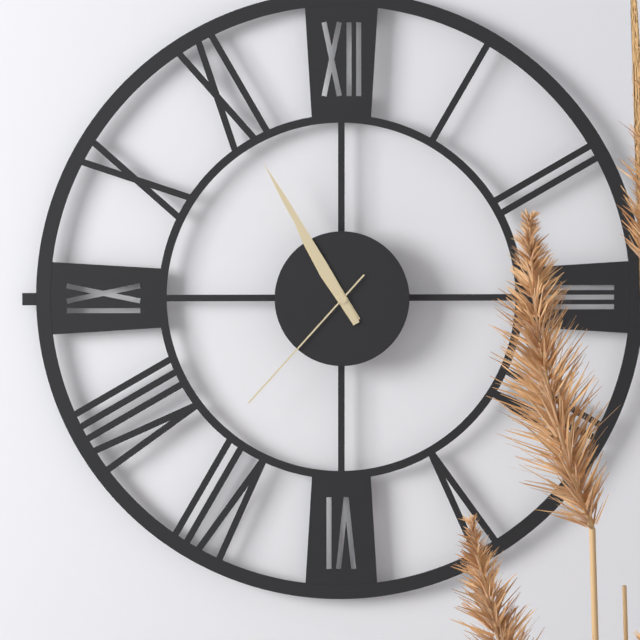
10:55:37
